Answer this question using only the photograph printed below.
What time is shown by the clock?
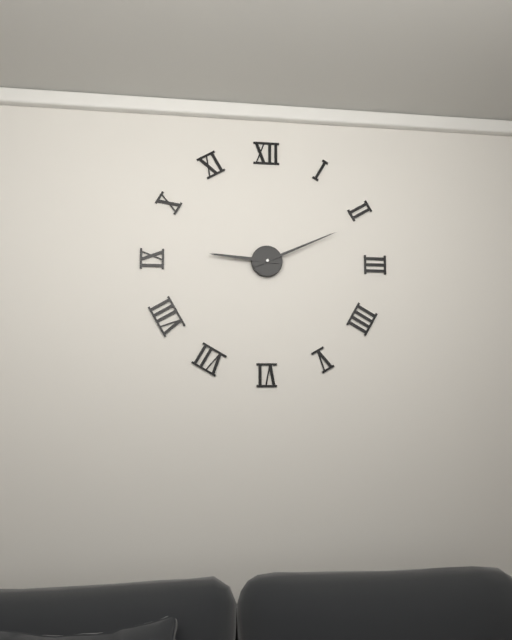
9:11
